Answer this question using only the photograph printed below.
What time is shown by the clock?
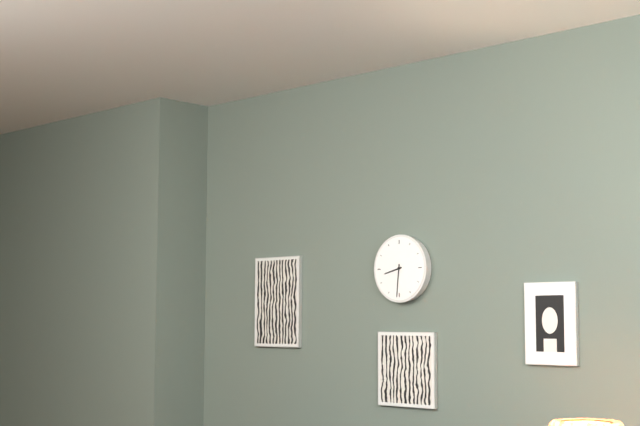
8:31
